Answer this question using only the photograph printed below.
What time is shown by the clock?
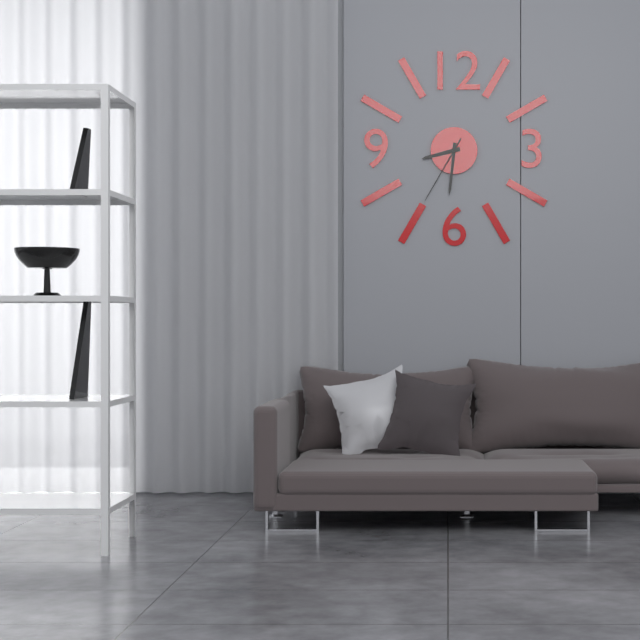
8:31:35
